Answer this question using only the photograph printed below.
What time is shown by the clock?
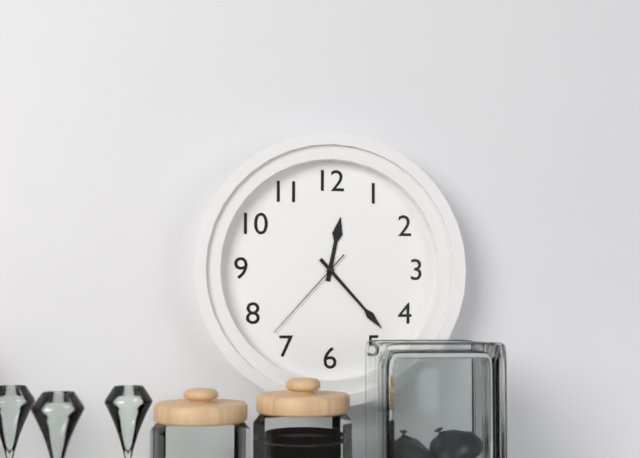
12:23:37
